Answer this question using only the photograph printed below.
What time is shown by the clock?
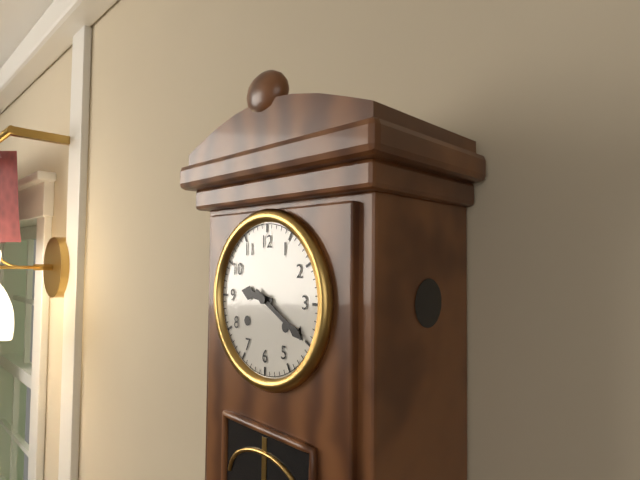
9:20
